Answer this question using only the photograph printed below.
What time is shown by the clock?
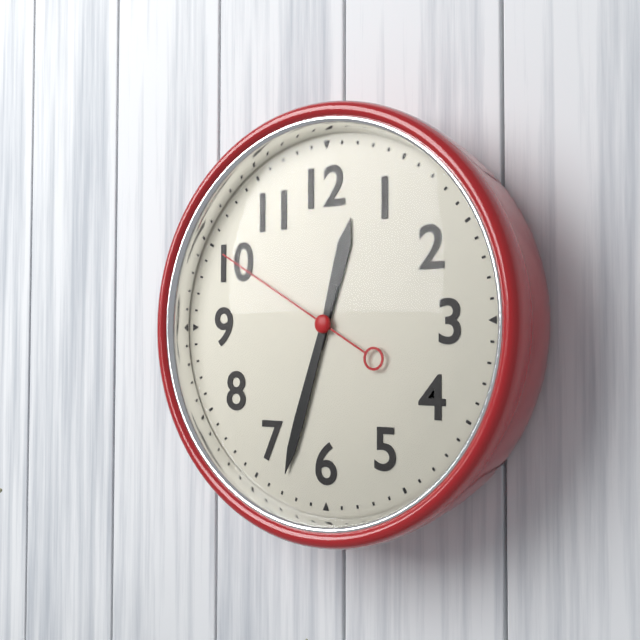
12:33:50
